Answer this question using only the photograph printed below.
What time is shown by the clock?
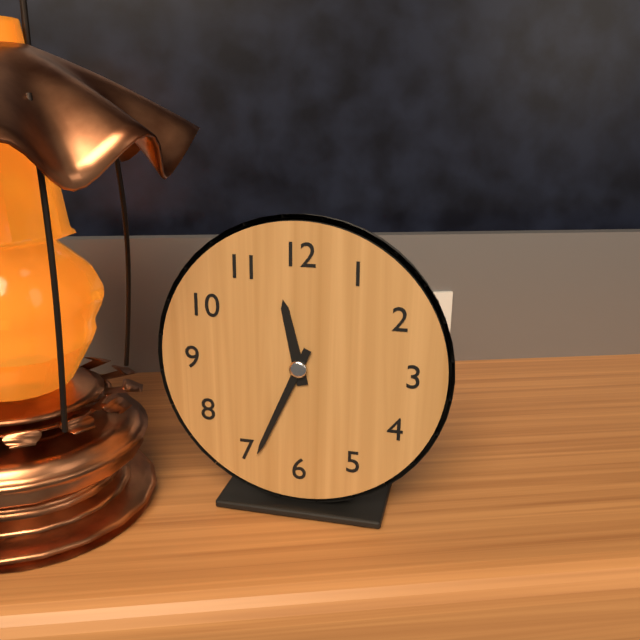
11:34
